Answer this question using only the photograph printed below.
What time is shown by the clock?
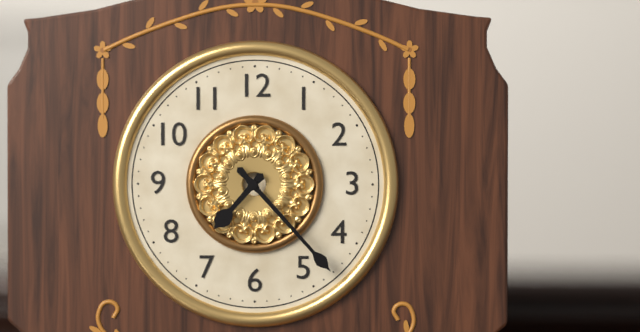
7:23
